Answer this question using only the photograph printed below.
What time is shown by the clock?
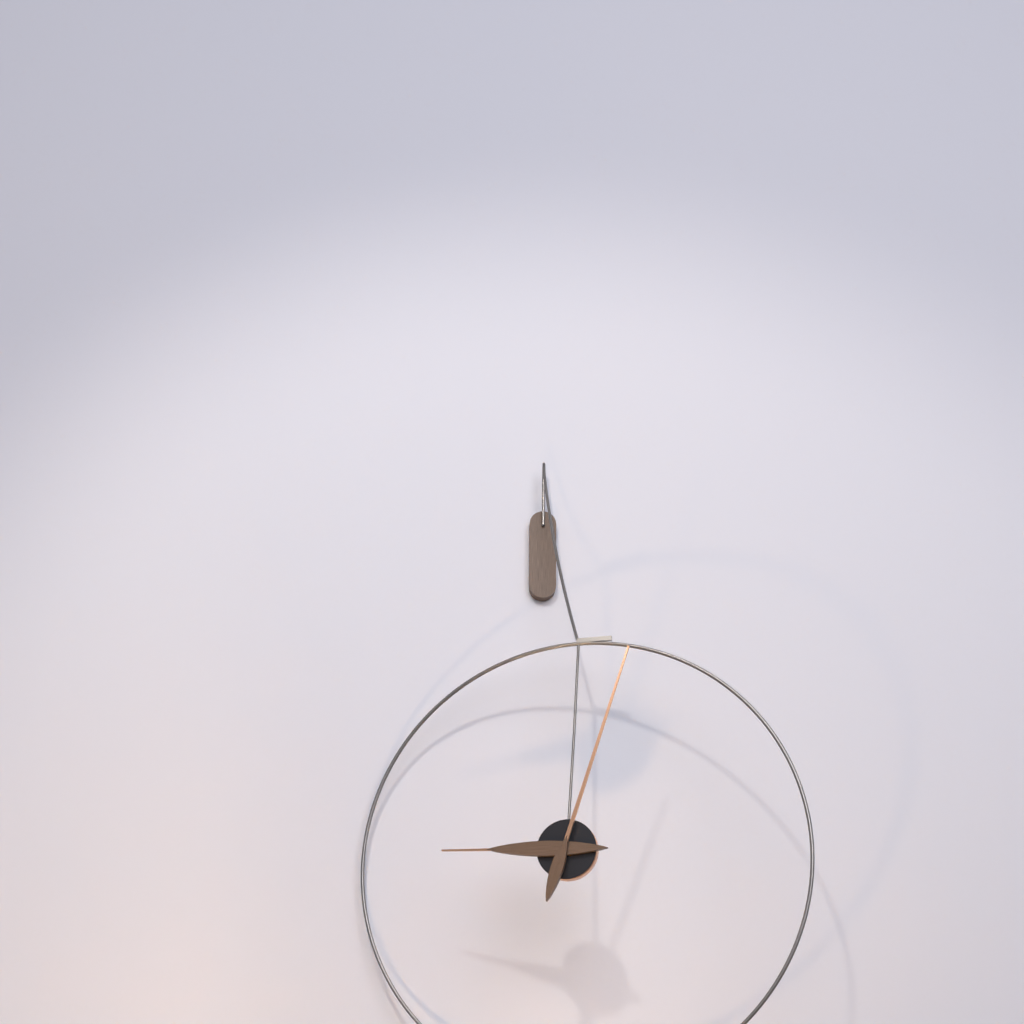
9:03
